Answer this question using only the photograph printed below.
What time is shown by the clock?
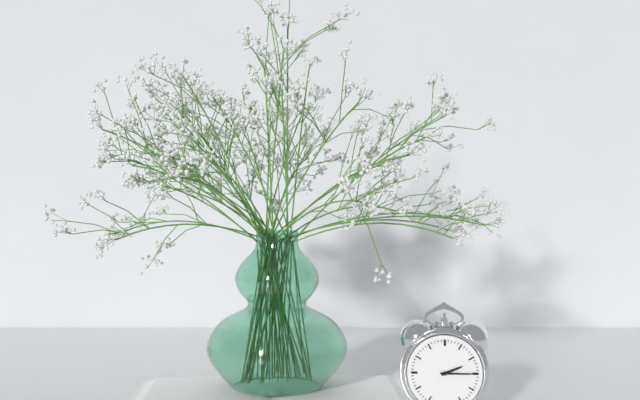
2:15
